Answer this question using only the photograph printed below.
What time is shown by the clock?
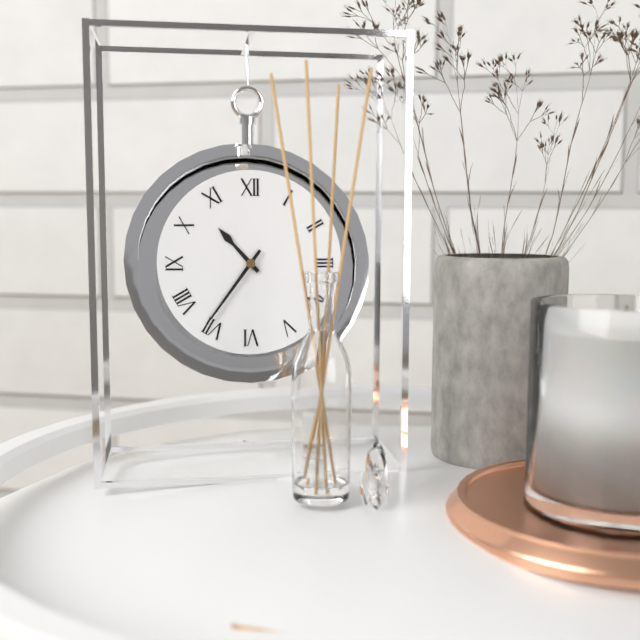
10:36
